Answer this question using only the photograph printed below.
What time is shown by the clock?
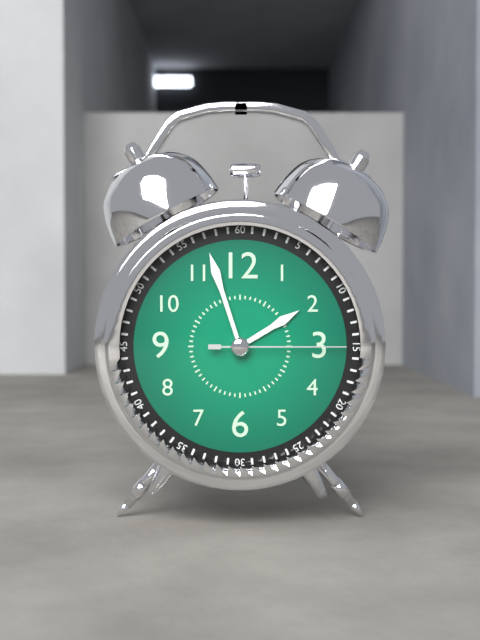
1:57:15
